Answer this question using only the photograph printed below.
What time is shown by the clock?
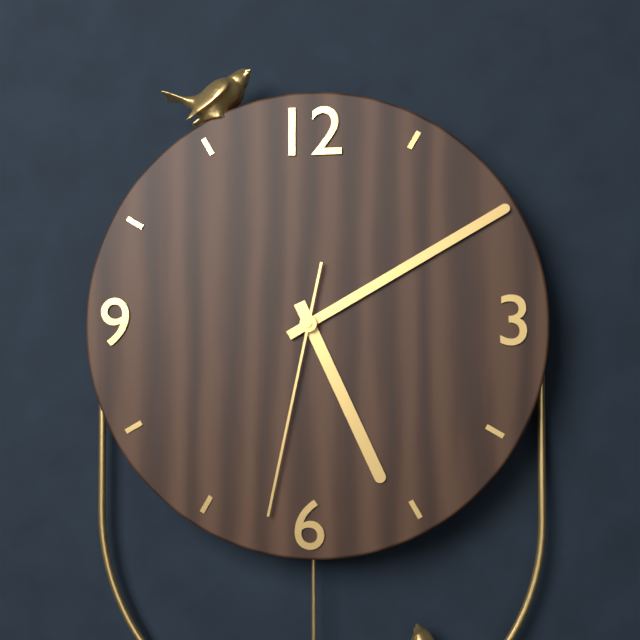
5:10:32
